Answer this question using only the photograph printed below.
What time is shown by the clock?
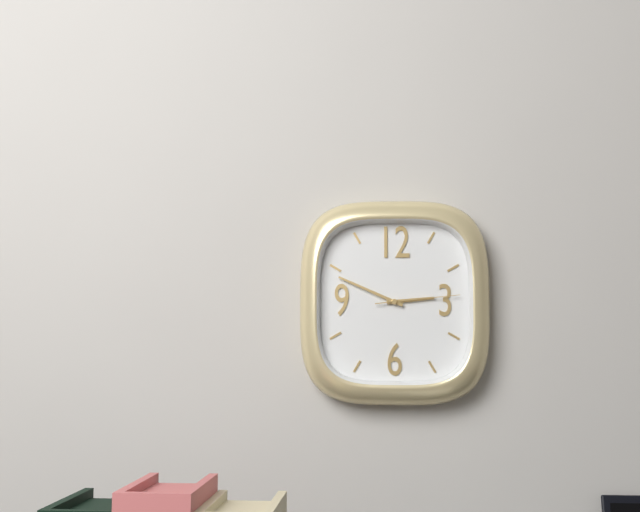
2:49:14
